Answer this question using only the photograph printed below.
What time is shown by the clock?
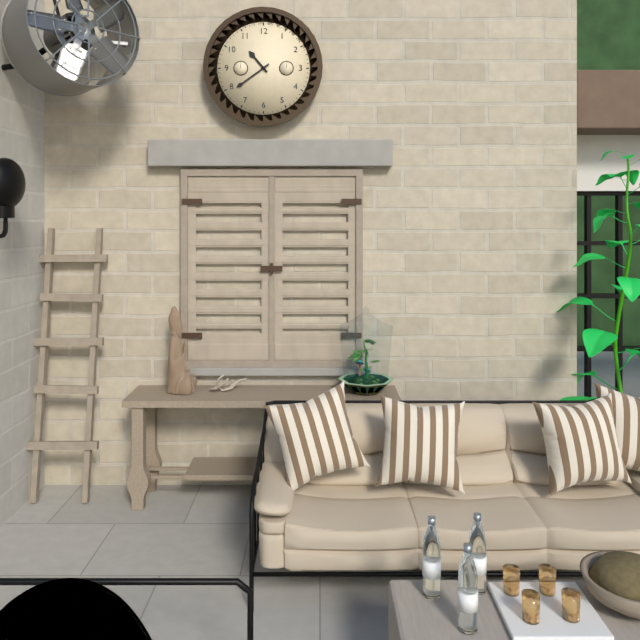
10:39
